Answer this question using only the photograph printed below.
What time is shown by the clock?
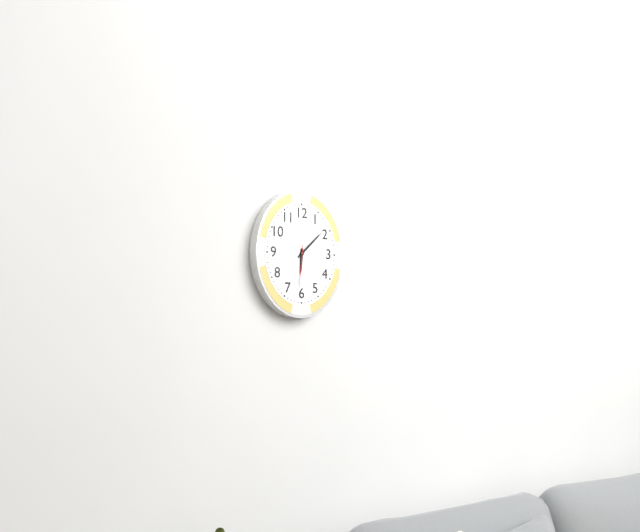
6:08
